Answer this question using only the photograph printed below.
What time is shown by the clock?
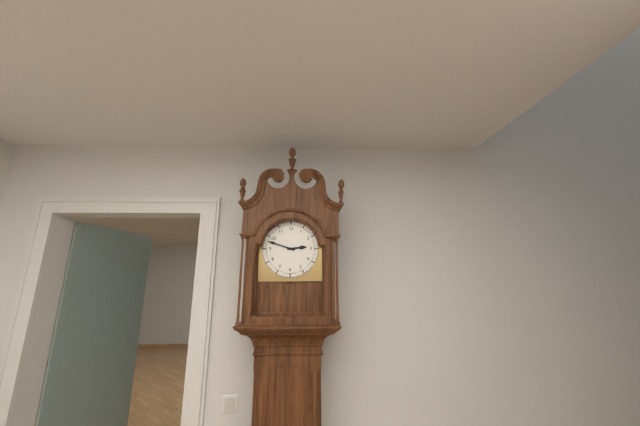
2:48
